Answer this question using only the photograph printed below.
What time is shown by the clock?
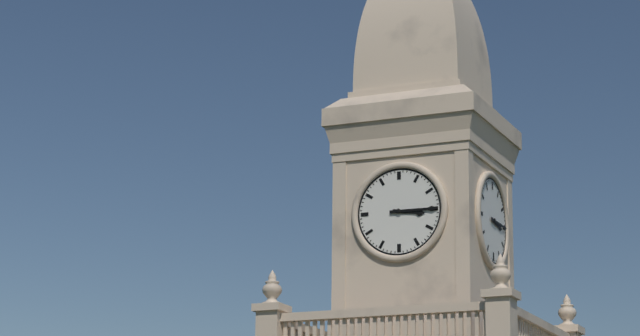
3:15
